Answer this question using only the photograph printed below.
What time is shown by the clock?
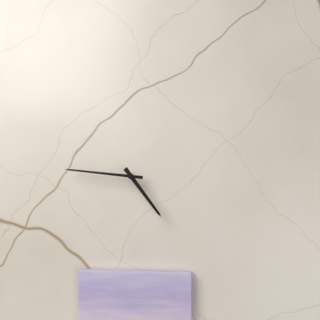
4:46
